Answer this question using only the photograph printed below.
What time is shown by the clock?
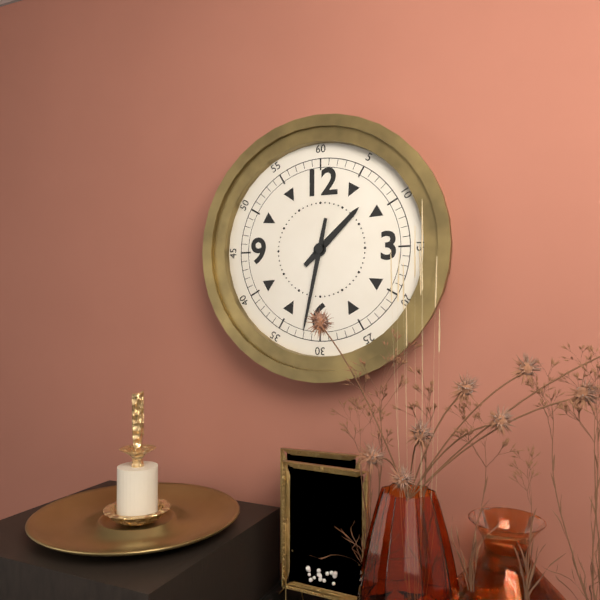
1:32
